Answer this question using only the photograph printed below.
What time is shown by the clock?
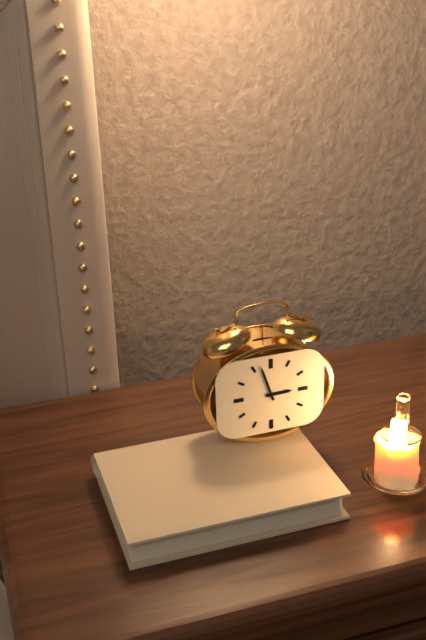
2:57
